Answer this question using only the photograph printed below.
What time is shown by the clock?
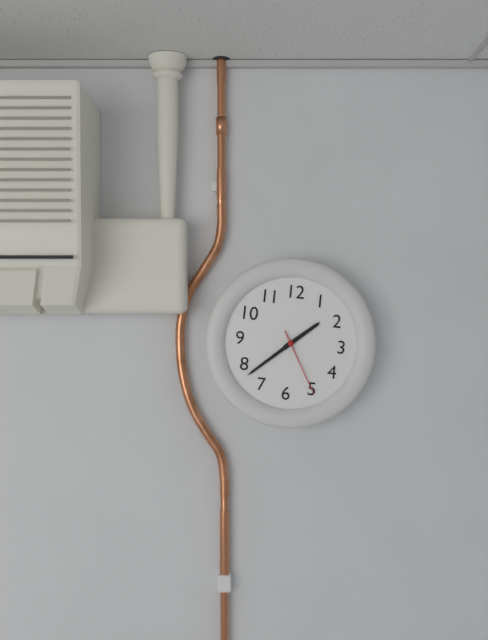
1:38:25
